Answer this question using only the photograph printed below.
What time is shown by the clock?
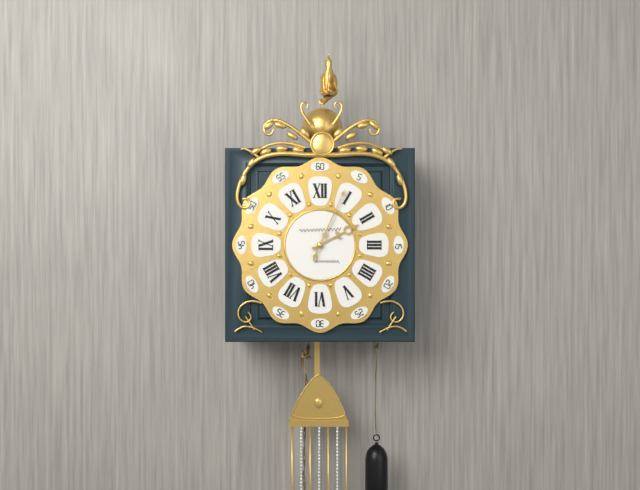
2:04
